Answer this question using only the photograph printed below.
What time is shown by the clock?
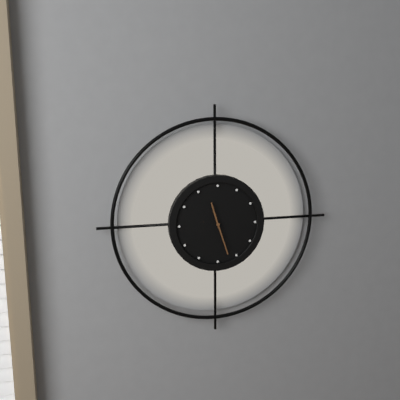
11:27
